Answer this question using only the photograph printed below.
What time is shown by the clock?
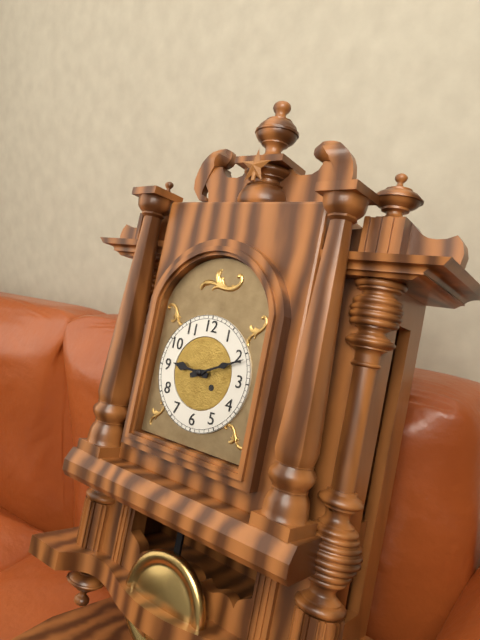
9:11
